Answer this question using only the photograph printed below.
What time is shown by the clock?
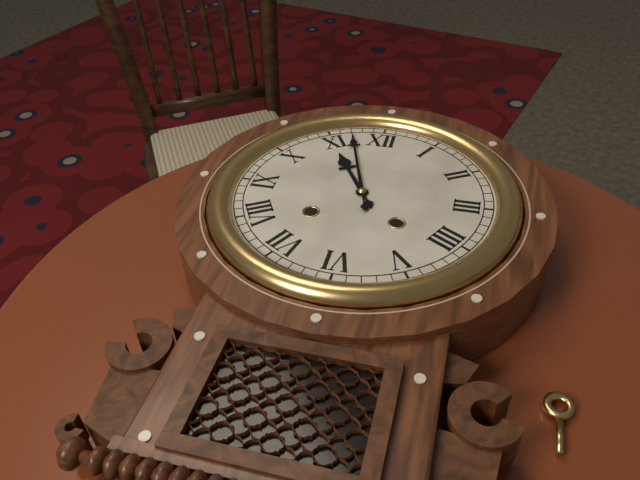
10:57
